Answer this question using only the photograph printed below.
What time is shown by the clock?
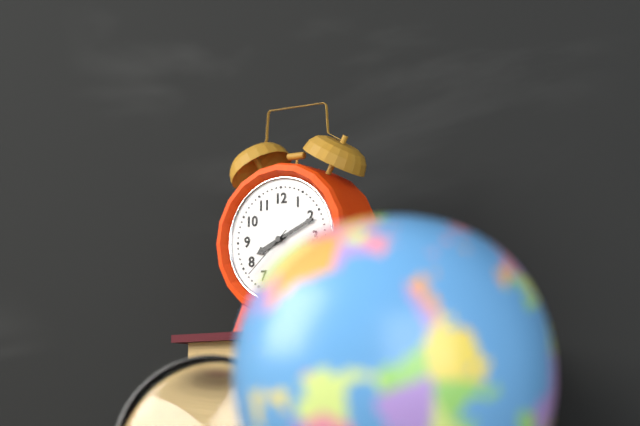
8:11:38
